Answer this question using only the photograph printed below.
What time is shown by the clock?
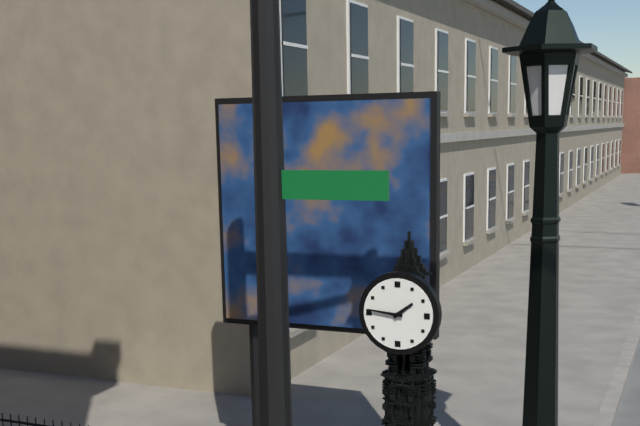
1:46
